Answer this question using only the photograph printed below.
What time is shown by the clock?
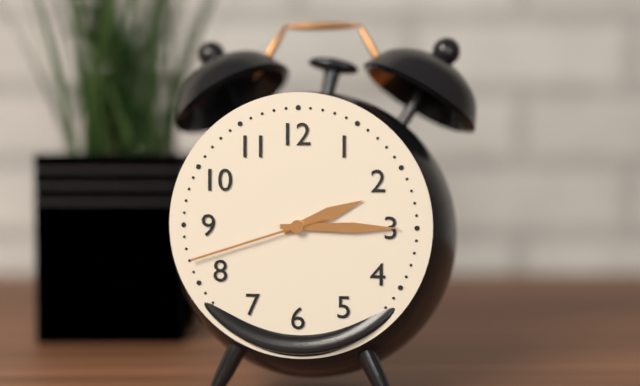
2:15:42
